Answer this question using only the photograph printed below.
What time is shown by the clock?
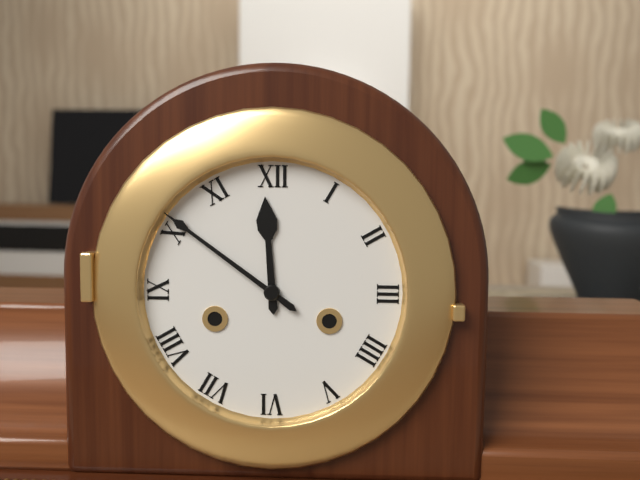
11:51
